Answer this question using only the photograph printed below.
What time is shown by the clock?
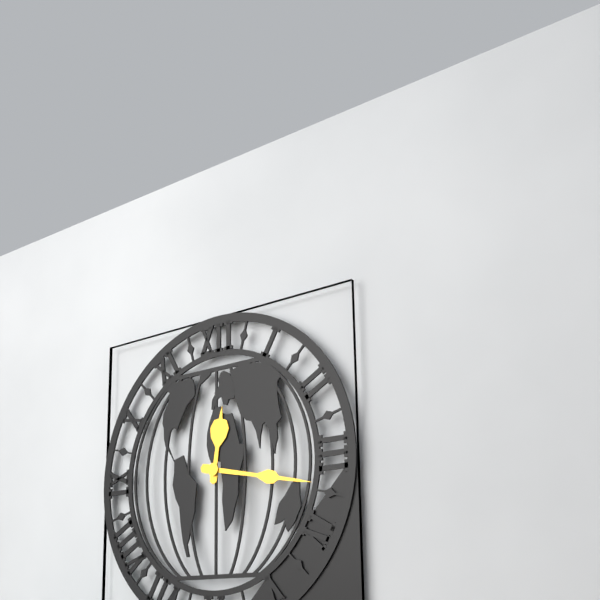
12:17
